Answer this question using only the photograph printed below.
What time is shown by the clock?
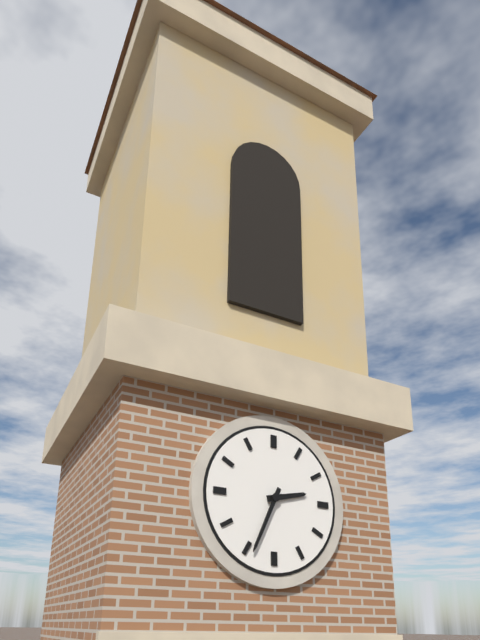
2:34
